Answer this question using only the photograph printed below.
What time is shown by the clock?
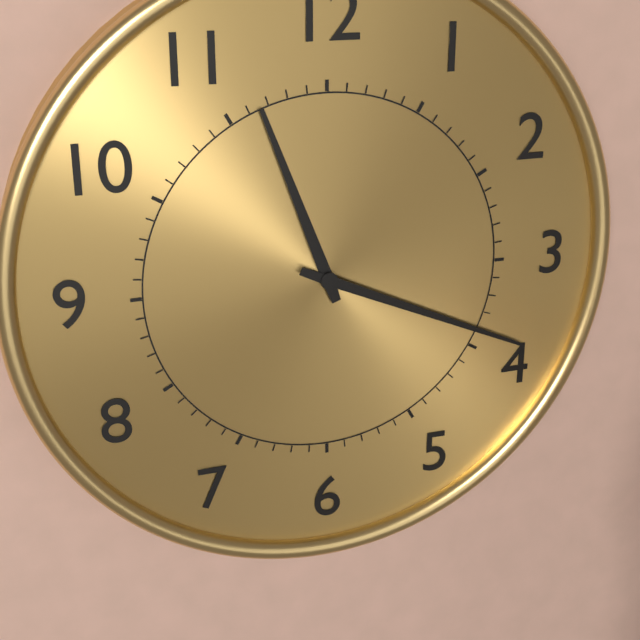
11:19
